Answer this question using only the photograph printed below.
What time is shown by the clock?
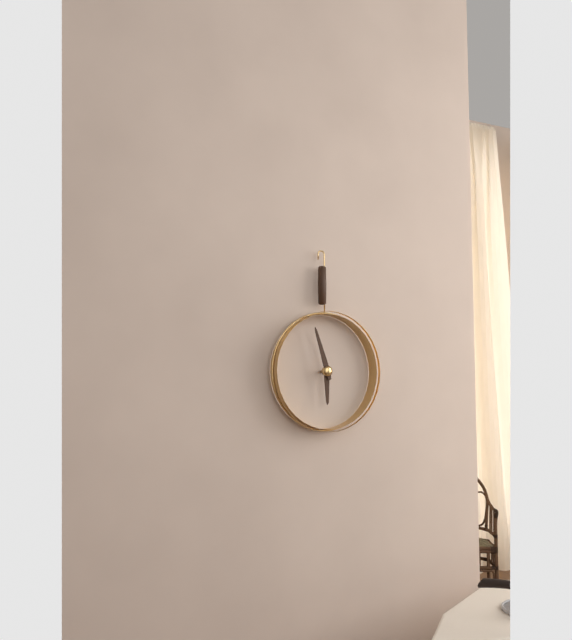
5:57
